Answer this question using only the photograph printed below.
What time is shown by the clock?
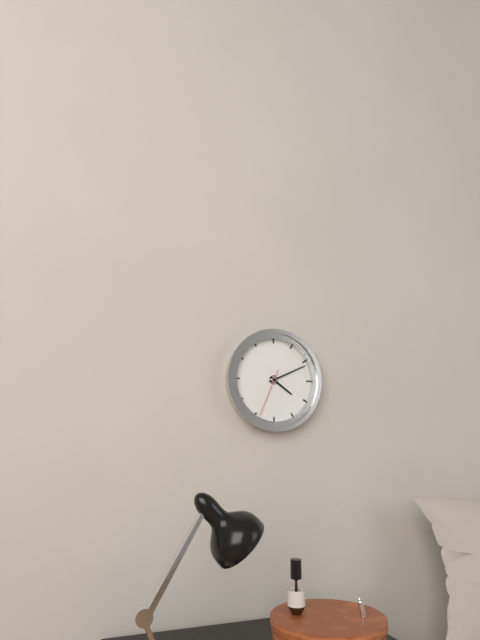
4:11
